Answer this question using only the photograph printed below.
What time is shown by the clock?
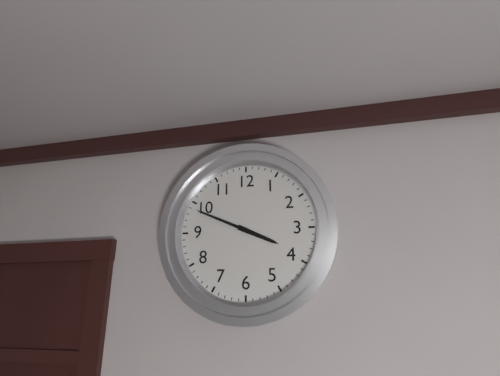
3:49
